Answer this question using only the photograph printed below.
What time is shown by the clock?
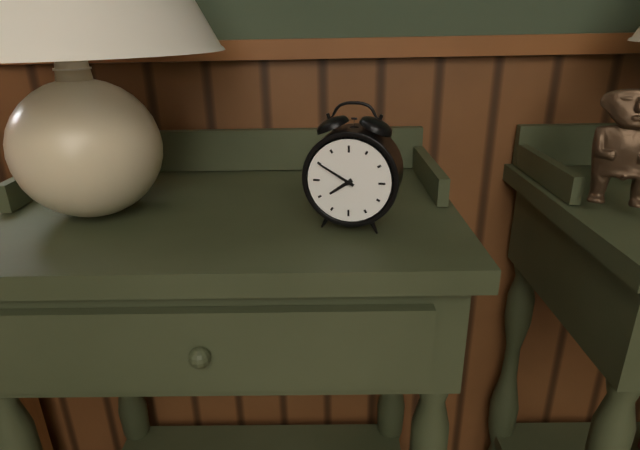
7:50
